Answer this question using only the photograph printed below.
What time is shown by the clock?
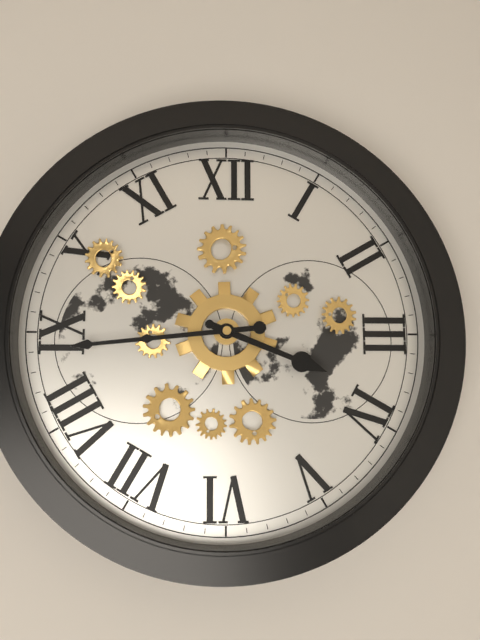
3:44
